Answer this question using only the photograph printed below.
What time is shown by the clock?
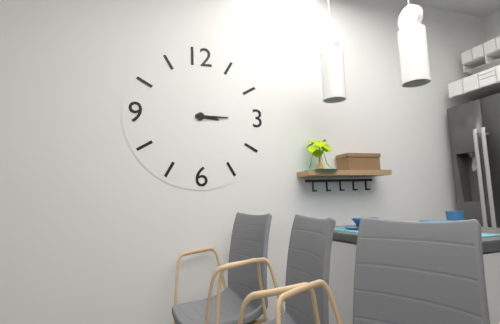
3:15
